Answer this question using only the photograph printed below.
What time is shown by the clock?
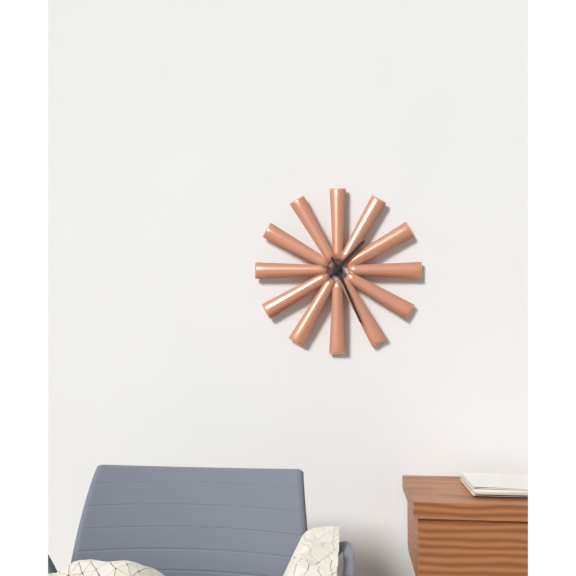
1:26
